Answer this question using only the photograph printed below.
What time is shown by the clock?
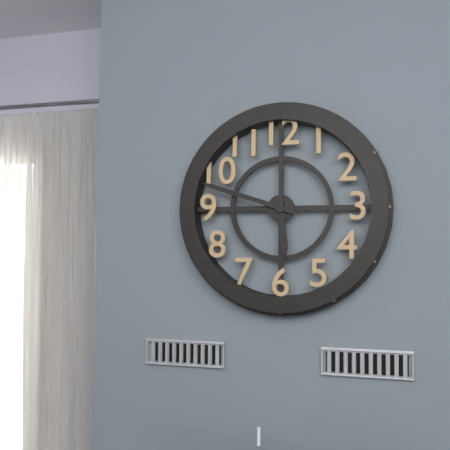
5:48
